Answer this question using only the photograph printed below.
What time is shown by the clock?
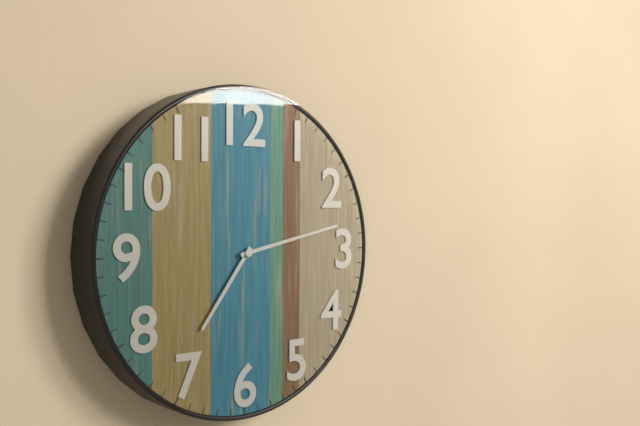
7:13
